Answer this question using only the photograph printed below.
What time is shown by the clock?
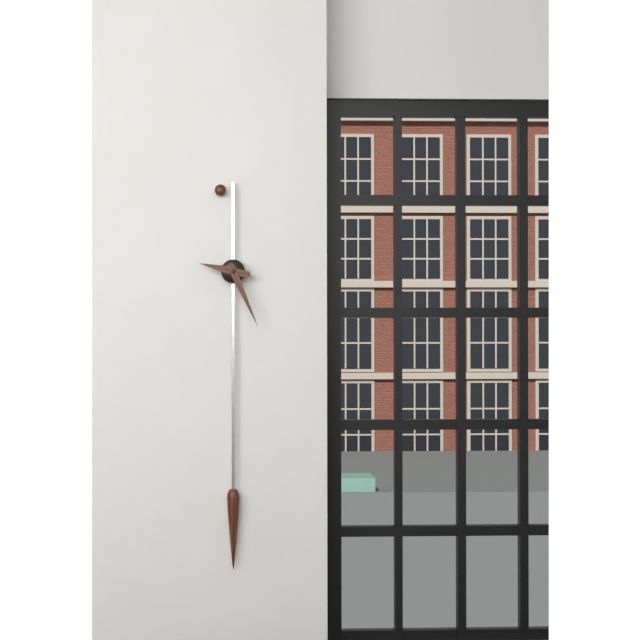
9:26
